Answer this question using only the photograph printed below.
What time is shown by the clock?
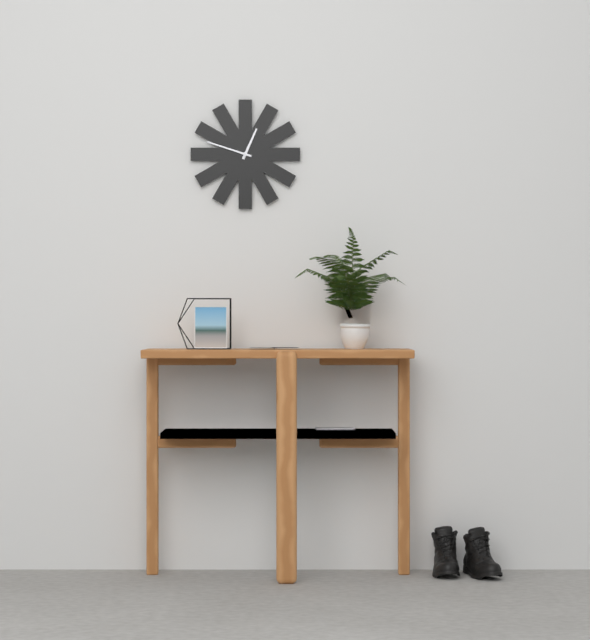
12:48
